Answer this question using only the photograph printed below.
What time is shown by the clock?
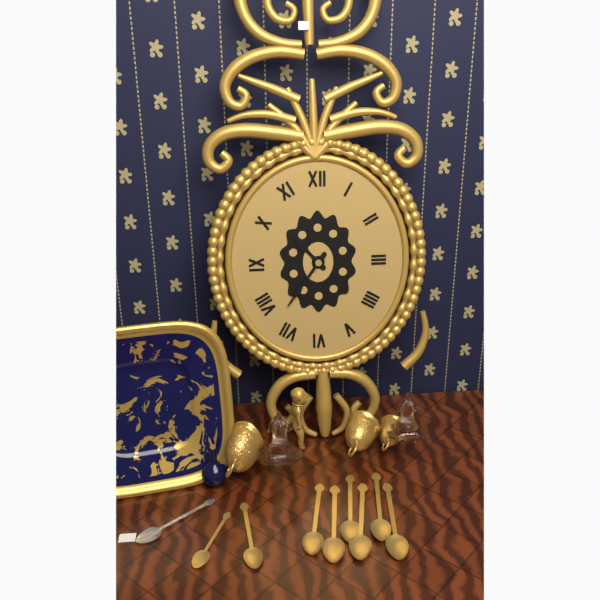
10:36
